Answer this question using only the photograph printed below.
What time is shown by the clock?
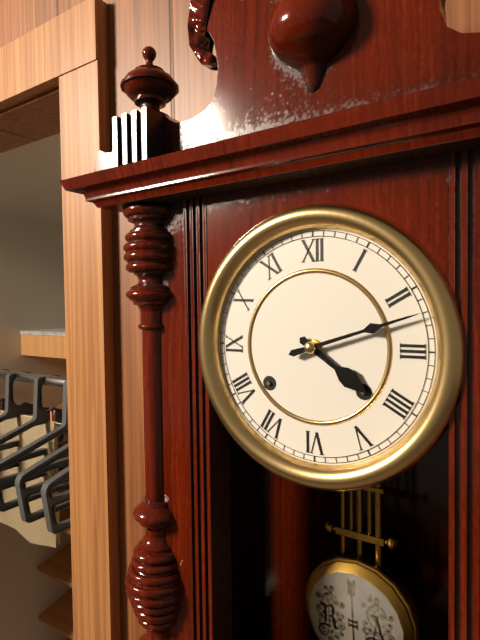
4:12
